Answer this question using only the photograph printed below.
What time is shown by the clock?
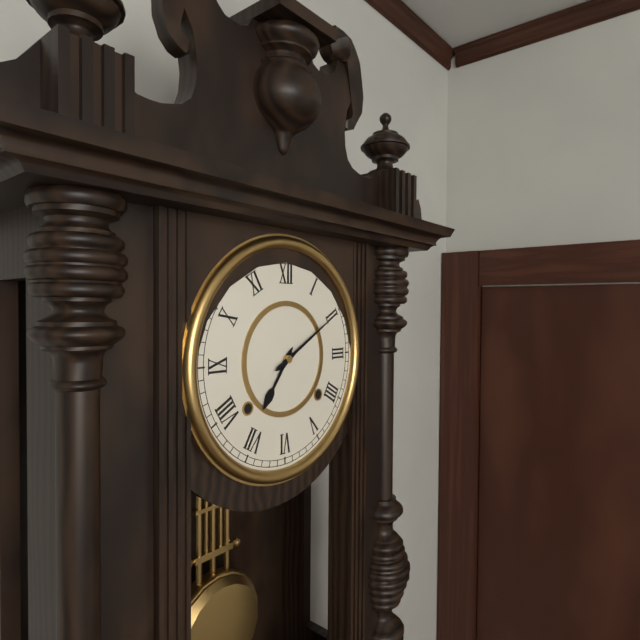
7:10
